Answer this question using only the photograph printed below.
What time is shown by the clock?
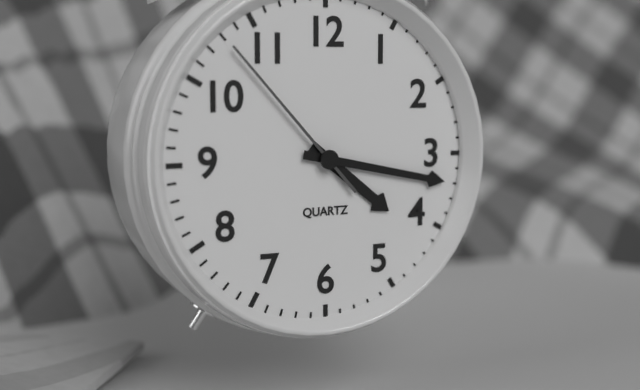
4:17:53
